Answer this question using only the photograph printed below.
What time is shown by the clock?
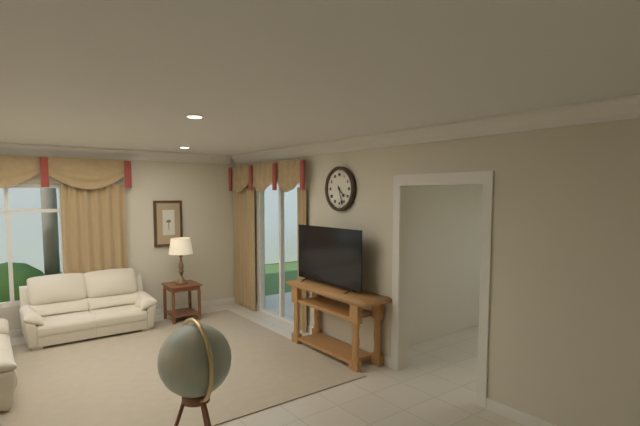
4:27
